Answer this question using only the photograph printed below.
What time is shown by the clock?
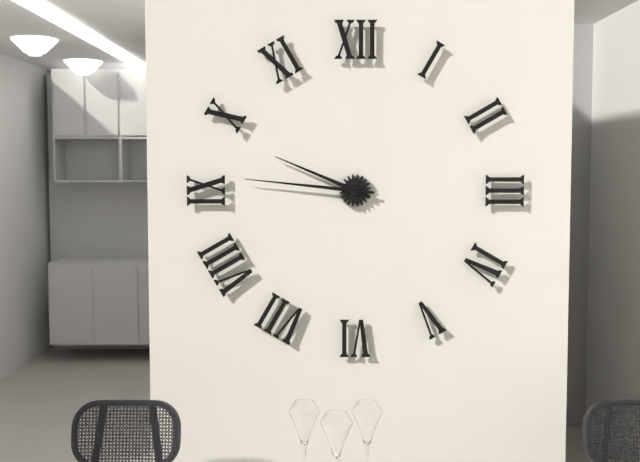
9:46
